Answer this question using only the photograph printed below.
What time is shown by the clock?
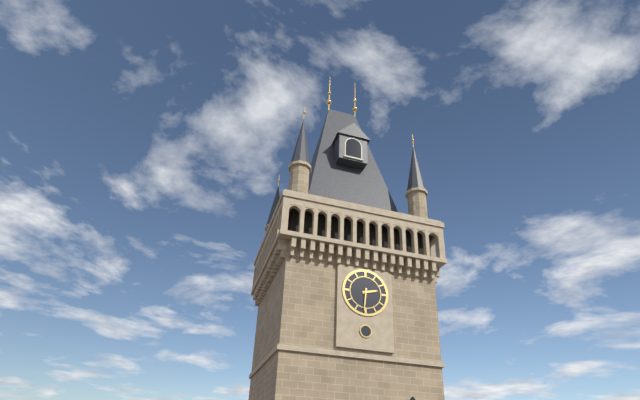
2:31
